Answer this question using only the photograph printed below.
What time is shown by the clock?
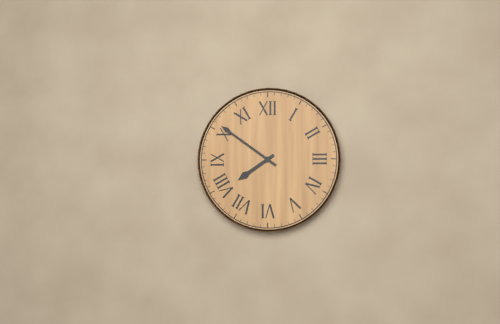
7:51
